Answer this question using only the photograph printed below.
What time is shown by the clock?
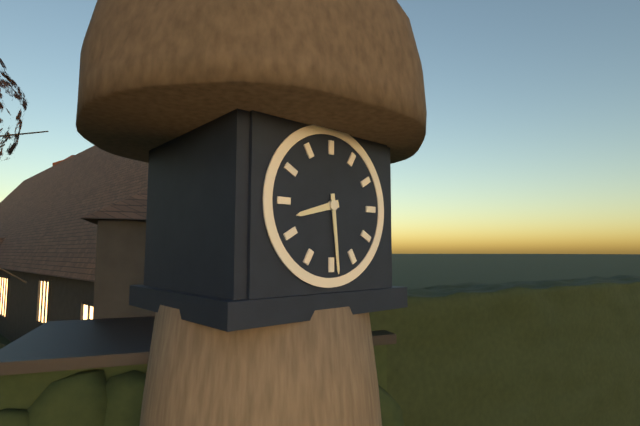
8:29
